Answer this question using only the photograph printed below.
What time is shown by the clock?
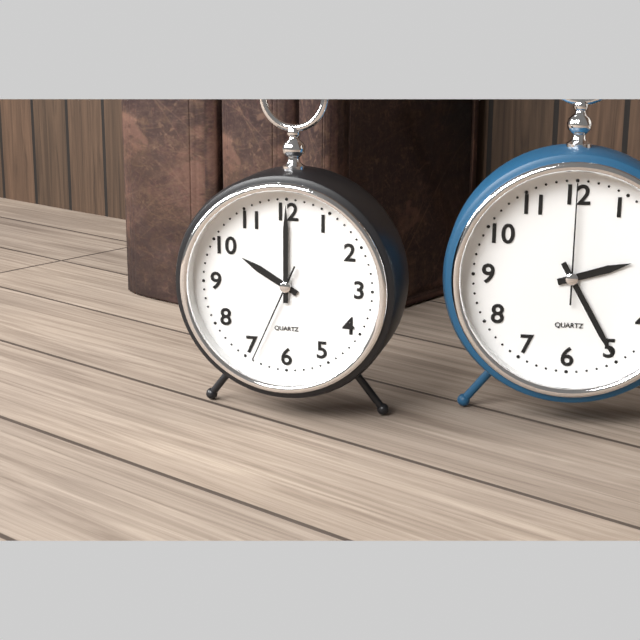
10:00:34
